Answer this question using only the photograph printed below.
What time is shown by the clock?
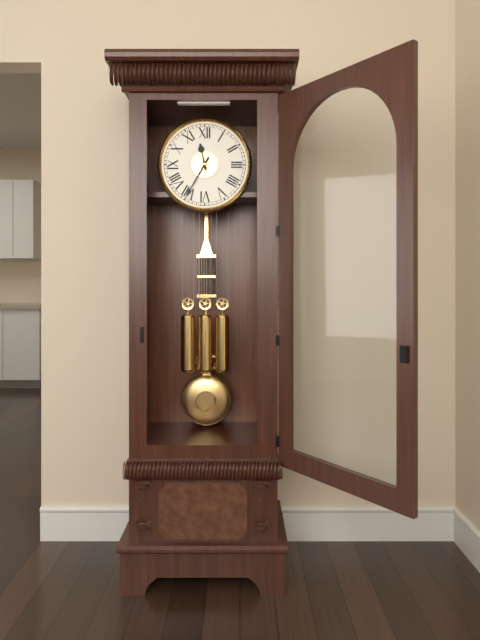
11:35
